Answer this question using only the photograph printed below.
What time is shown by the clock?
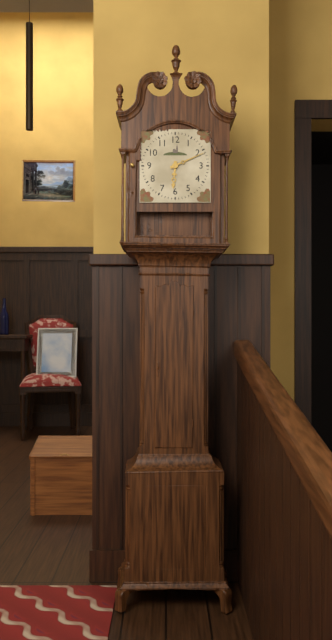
6:11
